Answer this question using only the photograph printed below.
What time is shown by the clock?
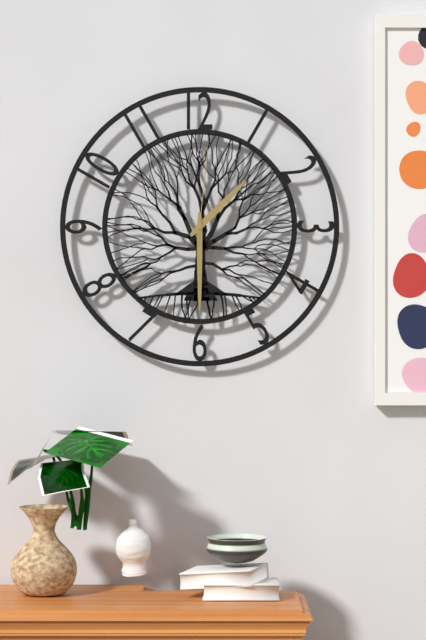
1:30:01
